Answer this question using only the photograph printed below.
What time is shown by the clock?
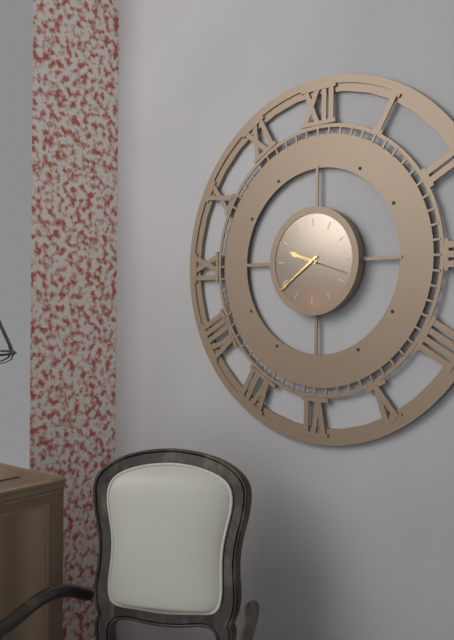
9:39
